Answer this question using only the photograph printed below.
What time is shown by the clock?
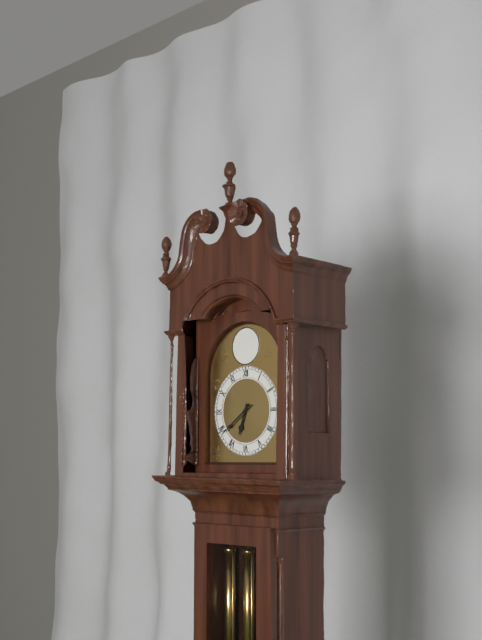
6:39
